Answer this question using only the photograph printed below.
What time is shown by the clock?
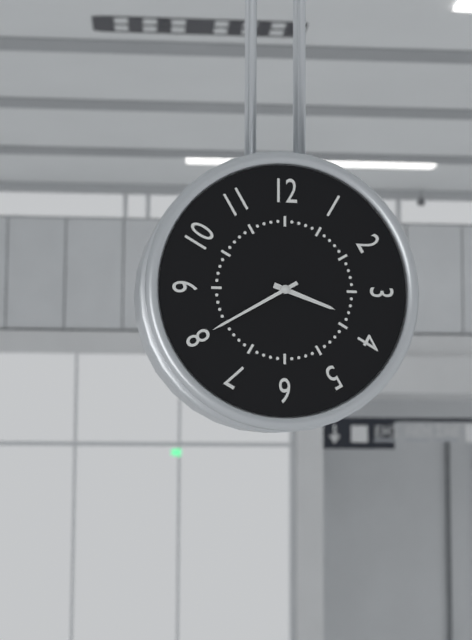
3:40
